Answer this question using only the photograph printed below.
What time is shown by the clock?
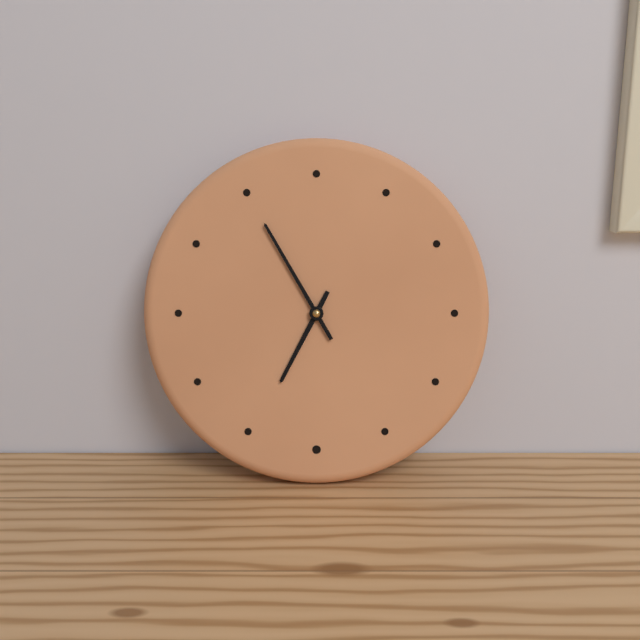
6:55
